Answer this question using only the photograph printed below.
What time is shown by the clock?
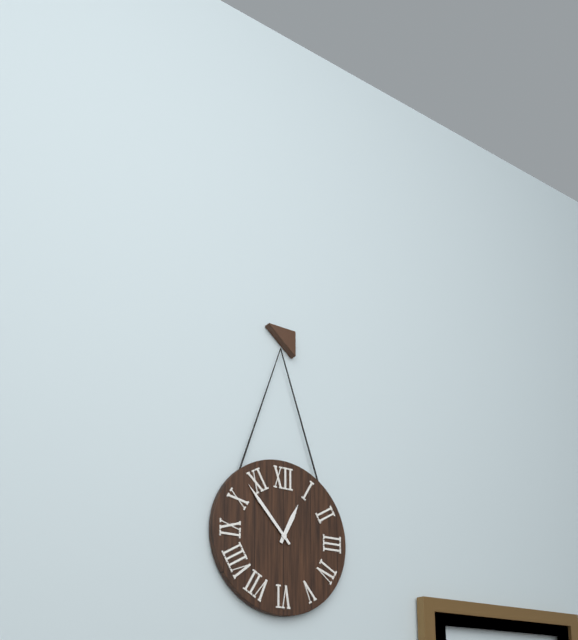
12:53
